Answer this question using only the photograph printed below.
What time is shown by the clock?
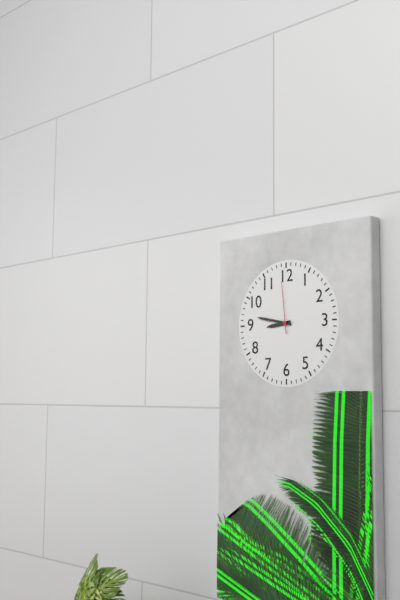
8:47:59
